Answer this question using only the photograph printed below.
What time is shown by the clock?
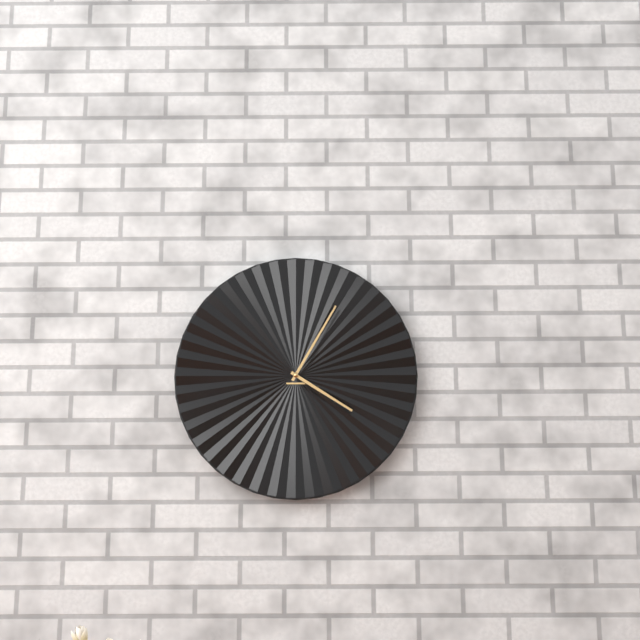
4:05
